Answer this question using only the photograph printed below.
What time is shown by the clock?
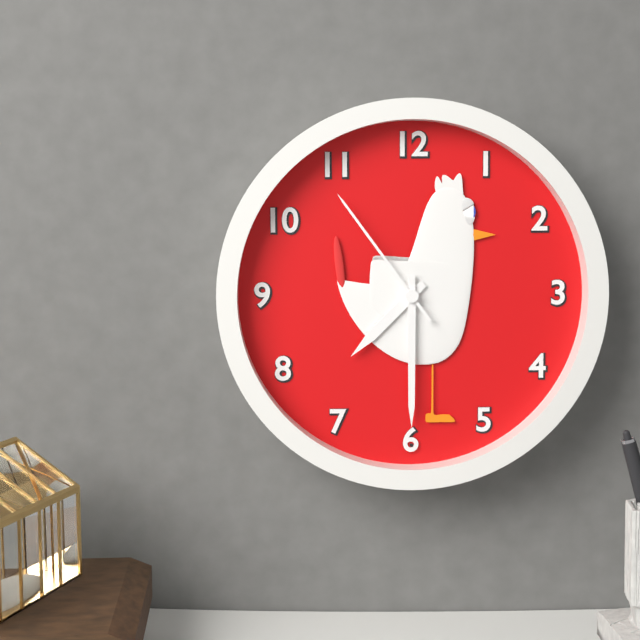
7:30:54
